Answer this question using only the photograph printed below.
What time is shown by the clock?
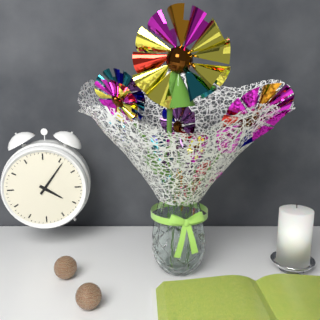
4:06
